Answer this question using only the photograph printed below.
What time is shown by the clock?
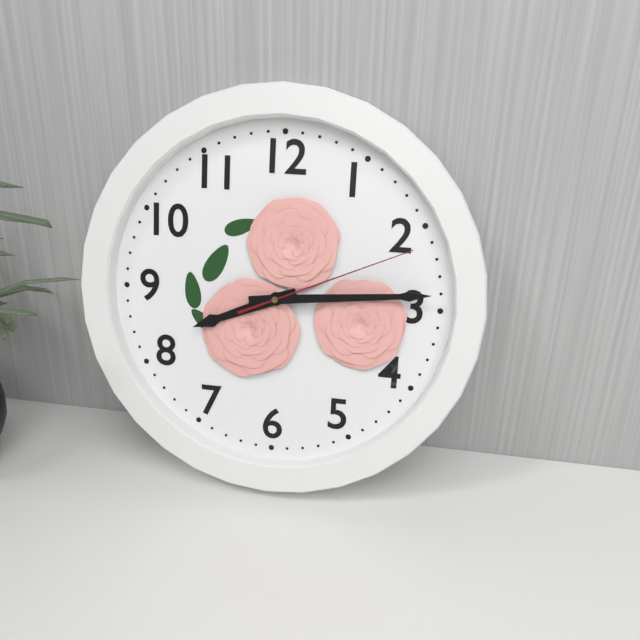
8:14:11
